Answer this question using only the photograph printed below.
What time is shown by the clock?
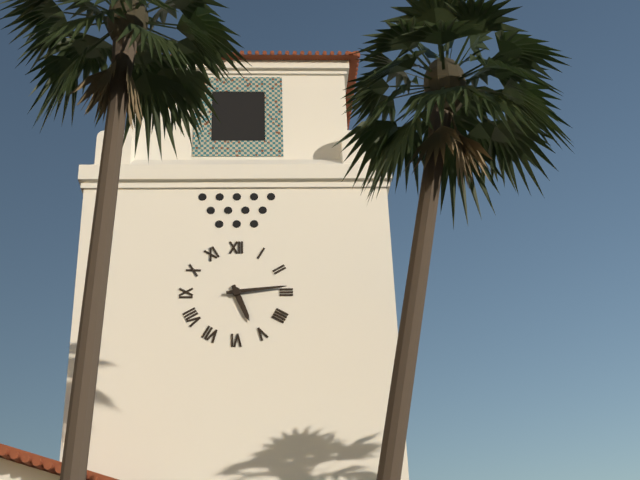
5:14
